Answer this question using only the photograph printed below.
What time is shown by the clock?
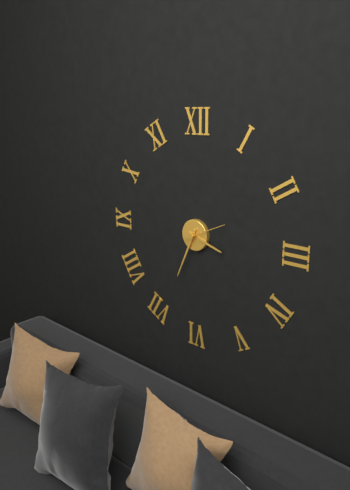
3:34
